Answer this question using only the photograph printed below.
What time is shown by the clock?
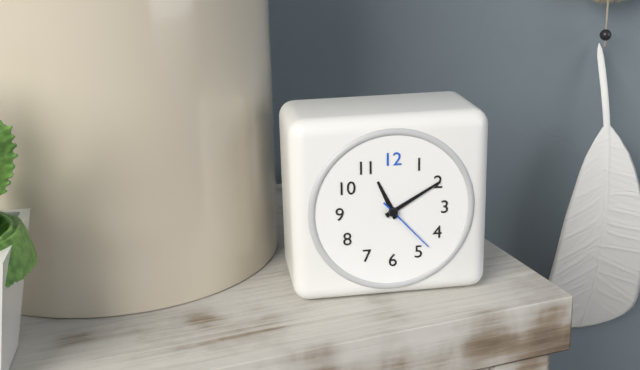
11:10:23
